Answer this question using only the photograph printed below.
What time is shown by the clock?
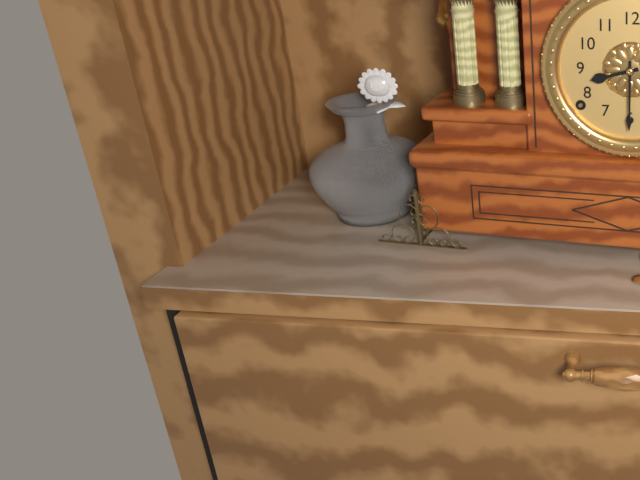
8:30
